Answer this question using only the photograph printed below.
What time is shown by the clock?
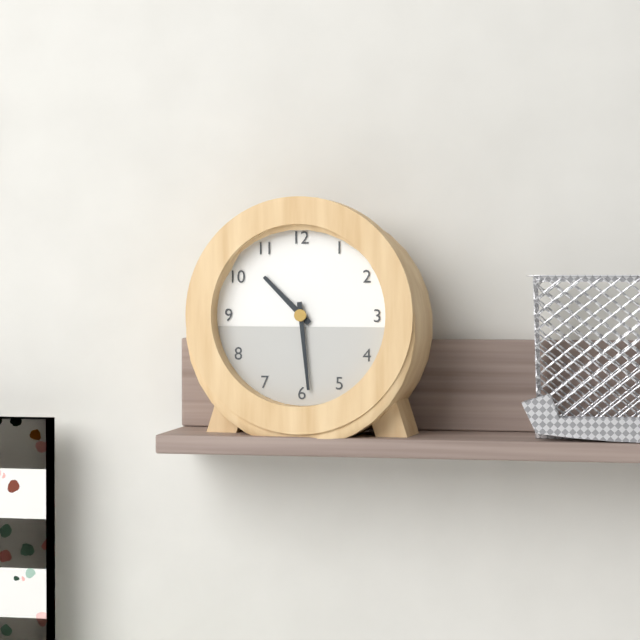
10:29
